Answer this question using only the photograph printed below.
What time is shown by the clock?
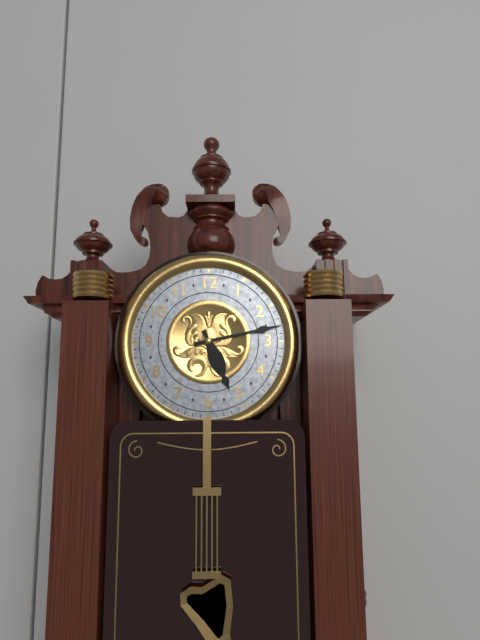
5:13
